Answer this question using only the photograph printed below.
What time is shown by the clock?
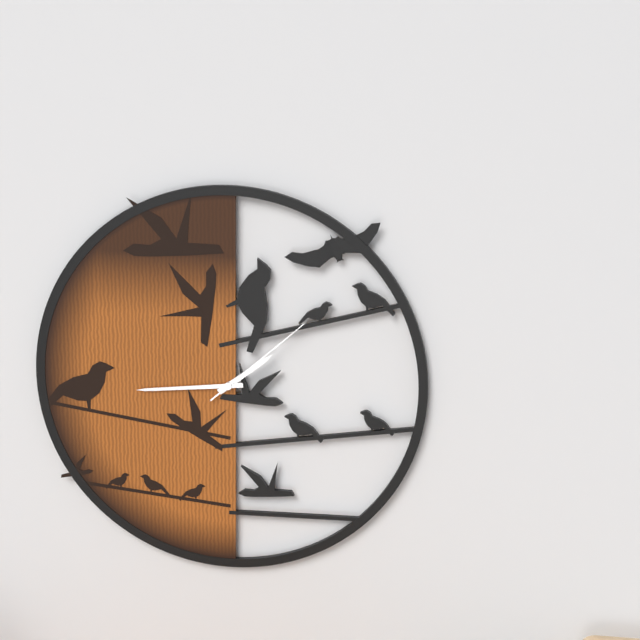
1:44:08
